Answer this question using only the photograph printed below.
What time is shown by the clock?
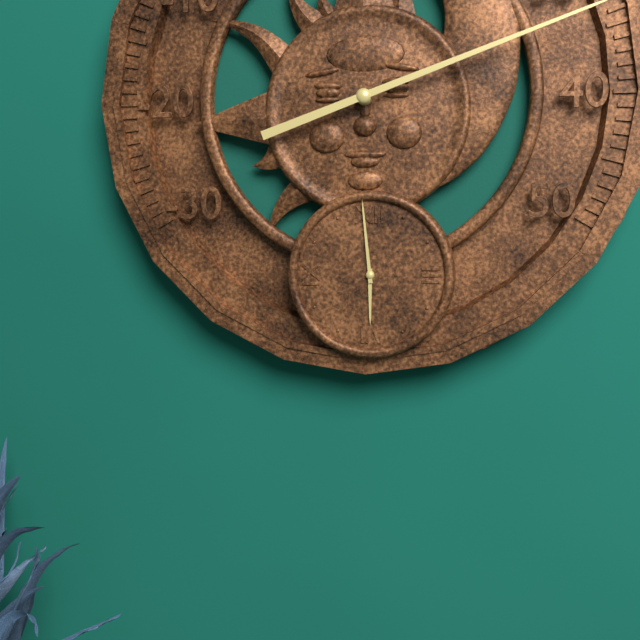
5:59
